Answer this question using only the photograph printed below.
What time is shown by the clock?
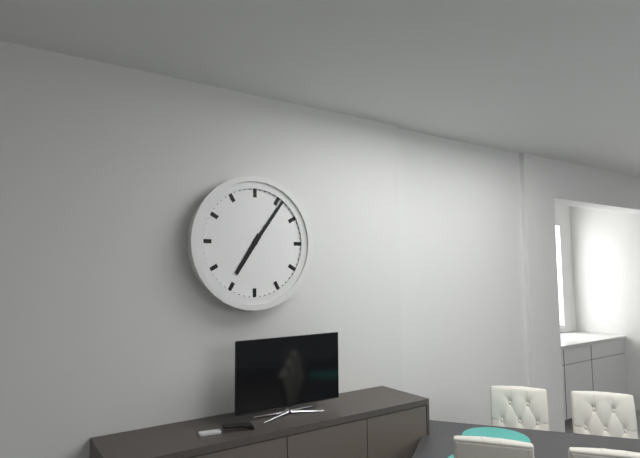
7:06
